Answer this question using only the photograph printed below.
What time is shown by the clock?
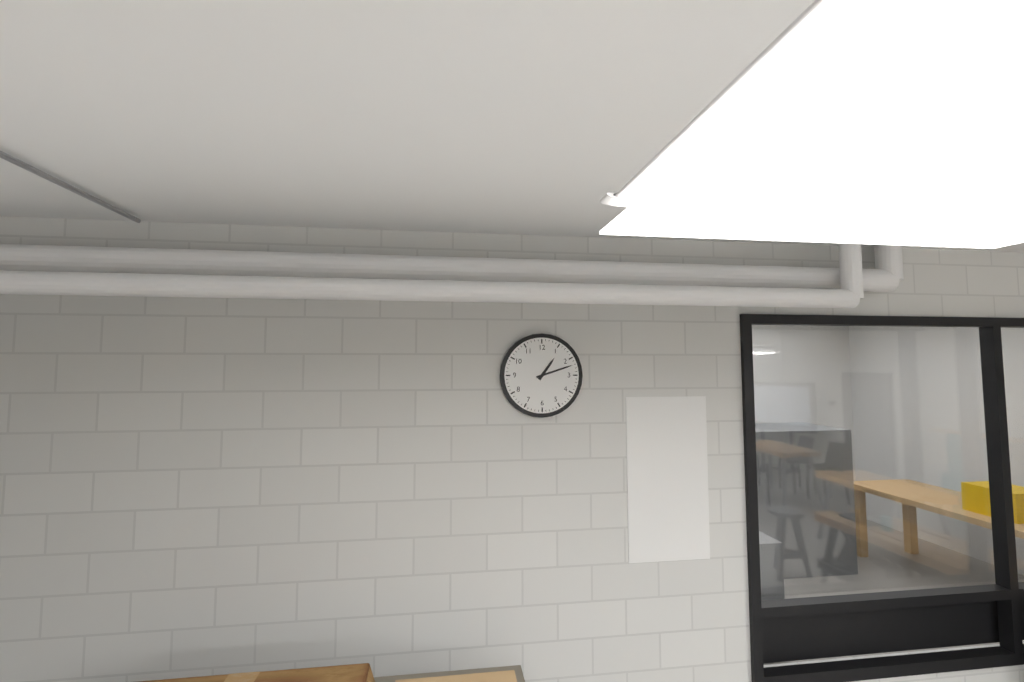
1:12
